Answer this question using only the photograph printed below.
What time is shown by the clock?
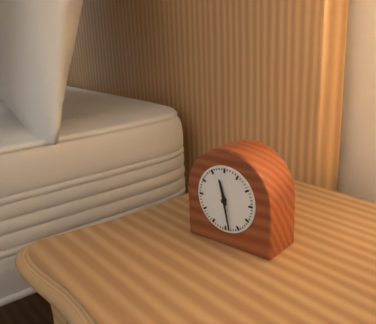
11:28
